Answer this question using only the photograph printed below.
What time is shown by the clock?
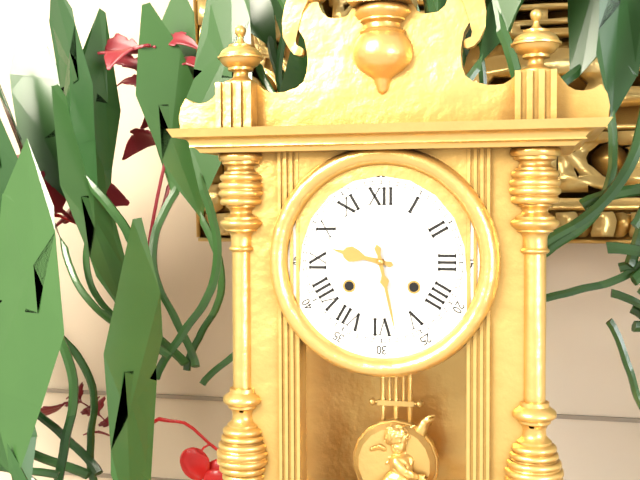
9:28
